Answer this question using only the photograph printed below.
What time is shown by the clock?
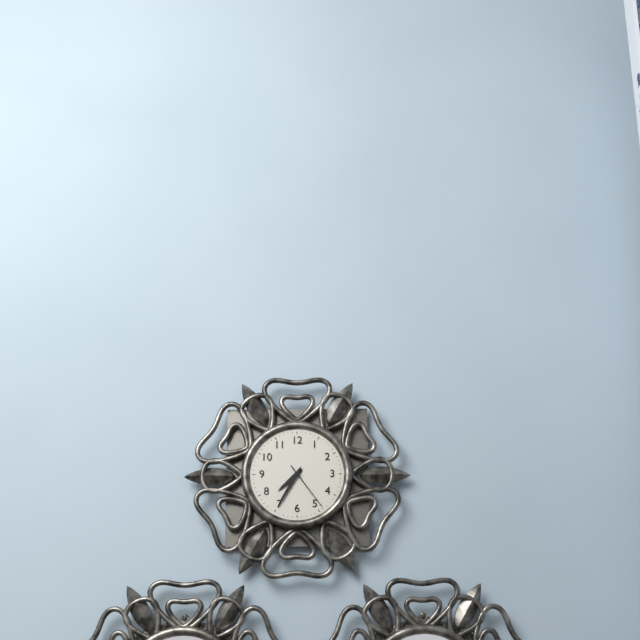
7:35:24
